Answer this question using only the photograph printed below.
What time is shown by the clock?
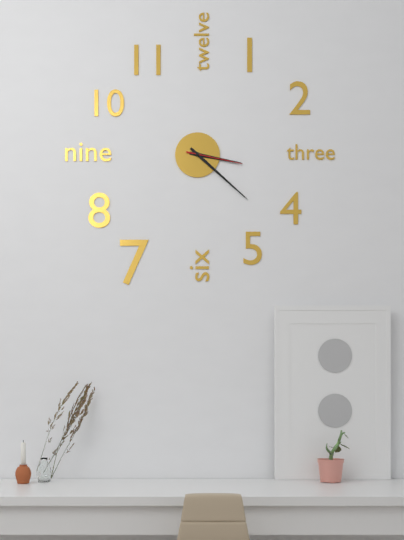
3:22:17
